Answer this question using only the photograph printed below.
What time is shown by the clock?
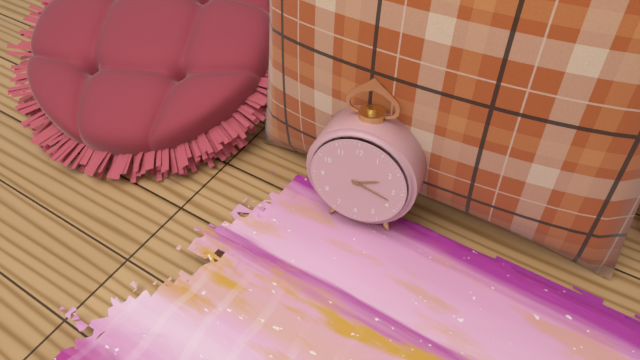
2:18
